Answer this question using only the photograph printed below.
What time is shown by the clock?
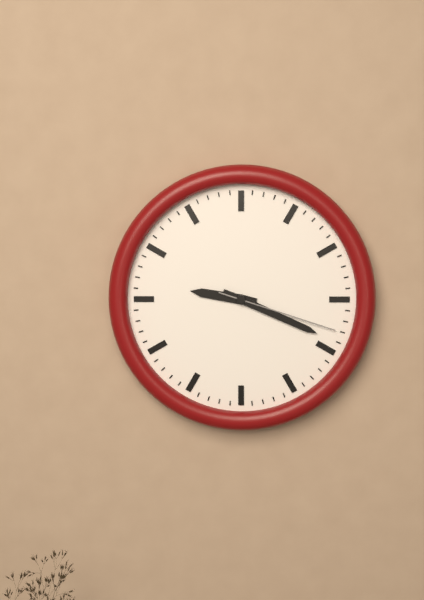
9:19:18
